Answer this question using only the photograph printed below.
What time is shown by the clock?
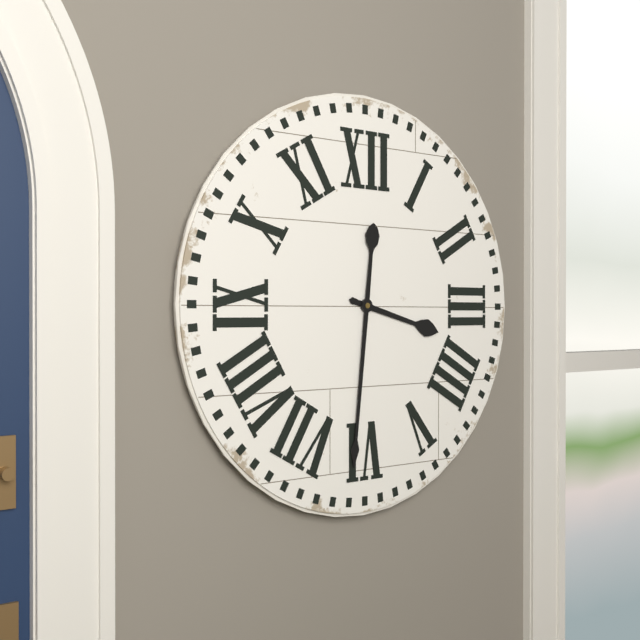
3:31
